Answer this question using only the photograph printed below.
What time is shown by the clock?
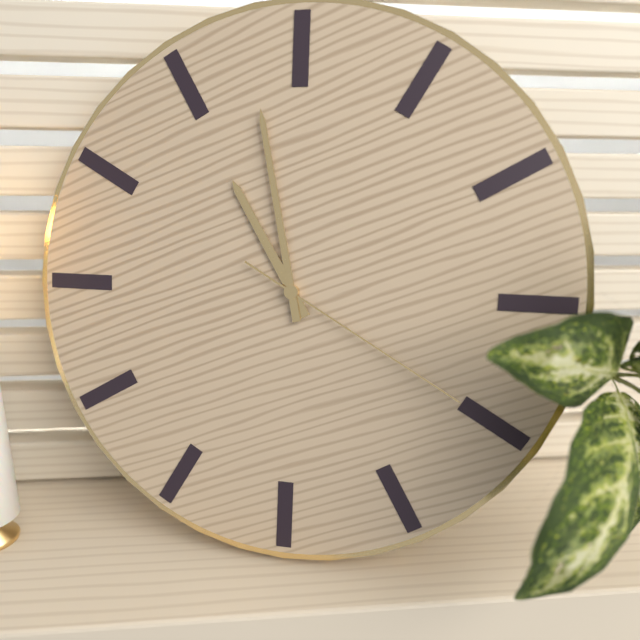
10:58:20
